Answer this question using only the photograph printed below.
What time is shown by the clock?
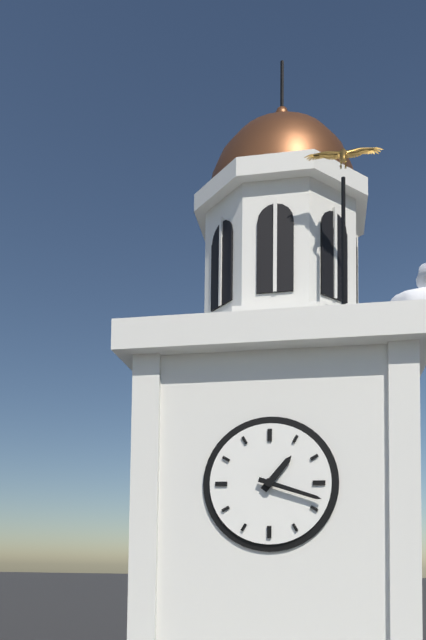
1:18
